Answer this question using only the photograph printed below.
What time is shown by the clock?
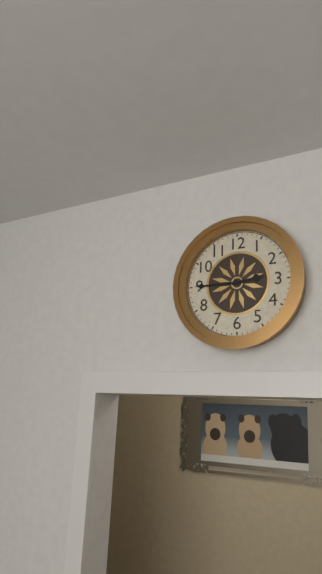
2:45
